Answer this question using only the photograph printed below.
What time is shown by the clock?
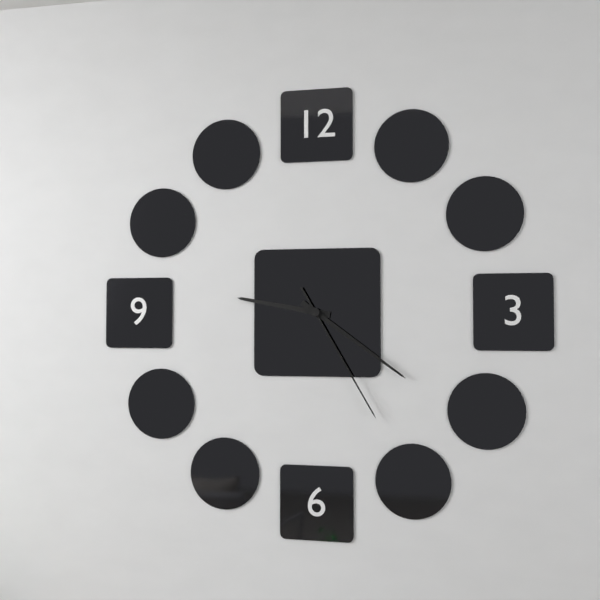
9:21:25
